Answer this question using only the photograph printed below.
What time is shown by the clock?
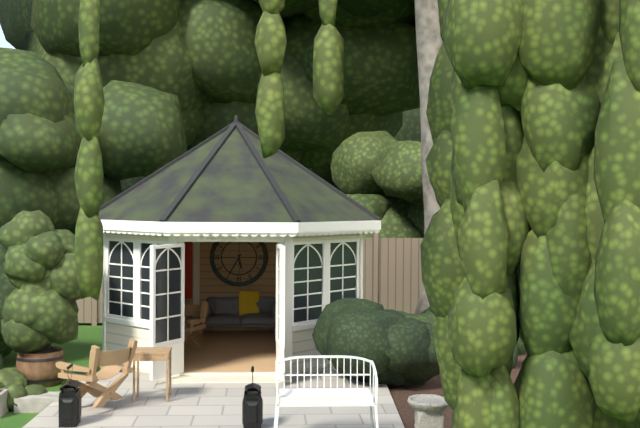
5:35
